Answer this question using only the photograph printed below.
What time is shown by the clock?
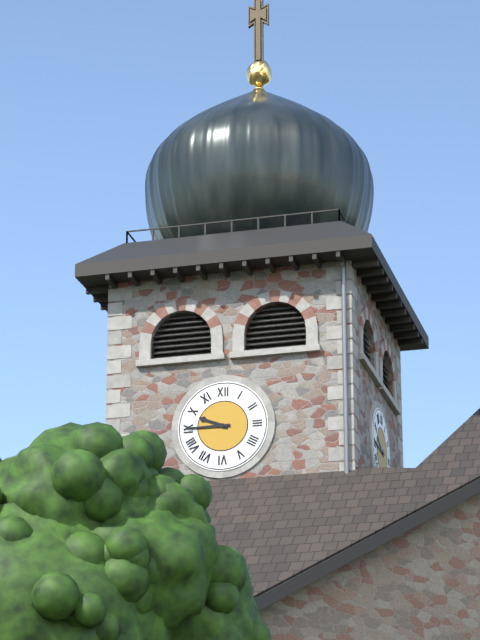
9:45
